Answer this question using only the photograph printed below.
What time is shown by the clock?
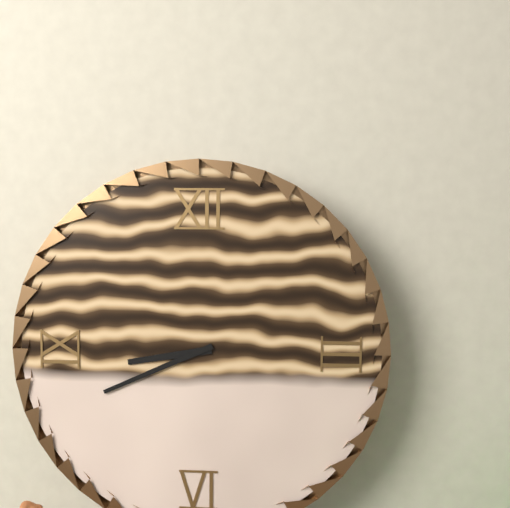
8:41
